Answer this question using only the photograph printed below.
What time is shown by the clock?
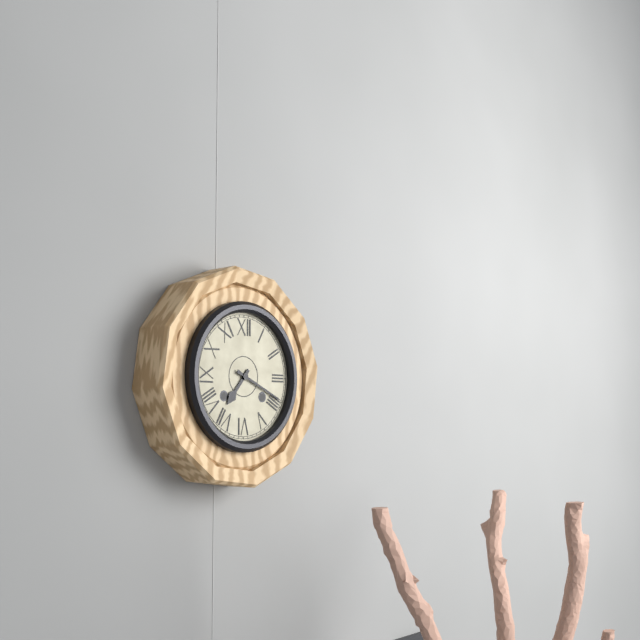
7:19
